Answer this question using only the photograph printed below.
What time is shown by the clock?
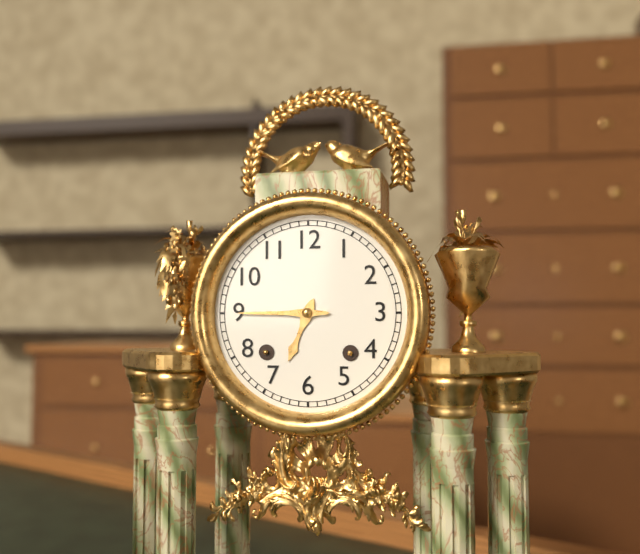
6:45
